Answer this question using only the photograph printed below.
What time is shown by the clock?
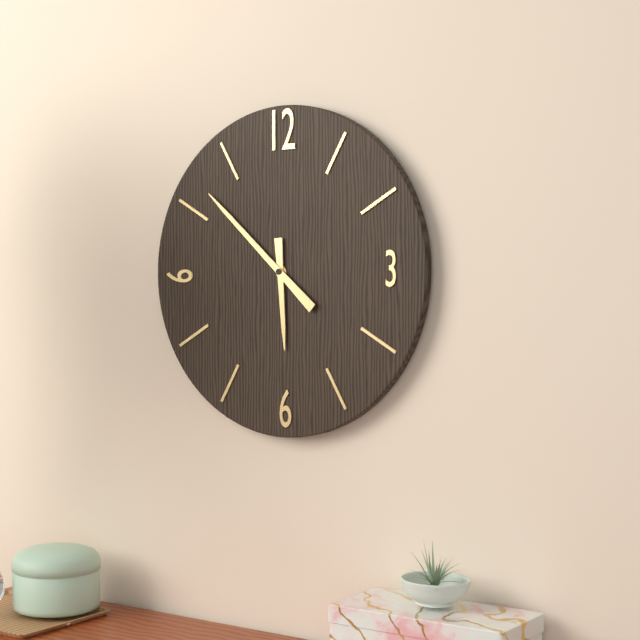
5:52
